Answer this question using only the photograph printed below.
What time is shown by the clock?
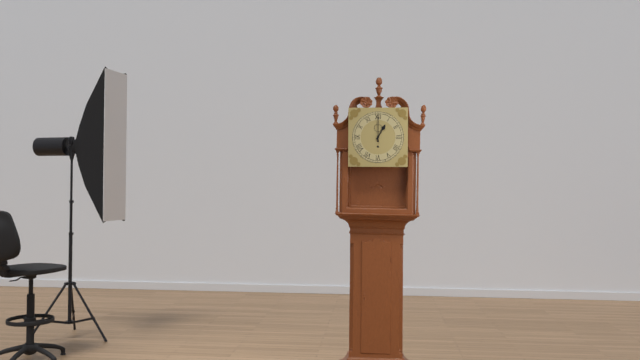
1:00
